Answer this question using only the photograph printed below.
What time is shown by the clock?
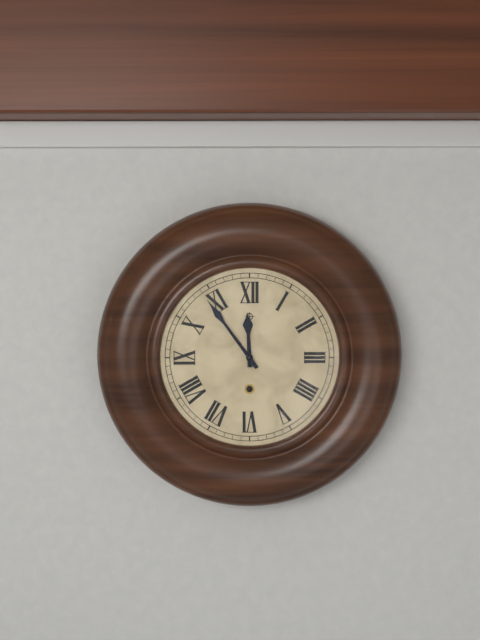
11:54
